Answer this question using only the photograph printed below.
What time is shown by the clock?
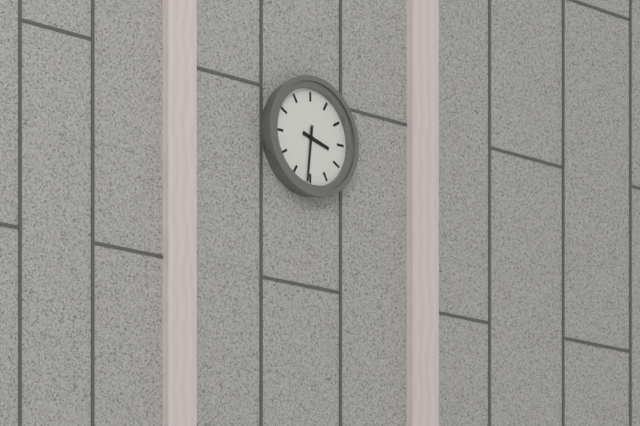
3:31
